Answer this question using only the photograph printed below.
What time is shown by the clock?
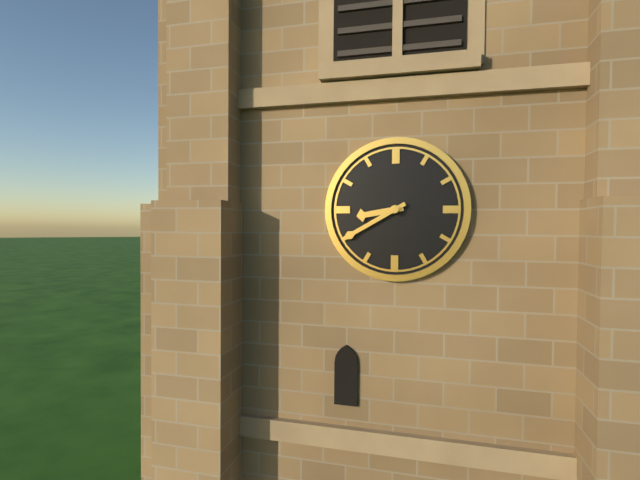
8:40
